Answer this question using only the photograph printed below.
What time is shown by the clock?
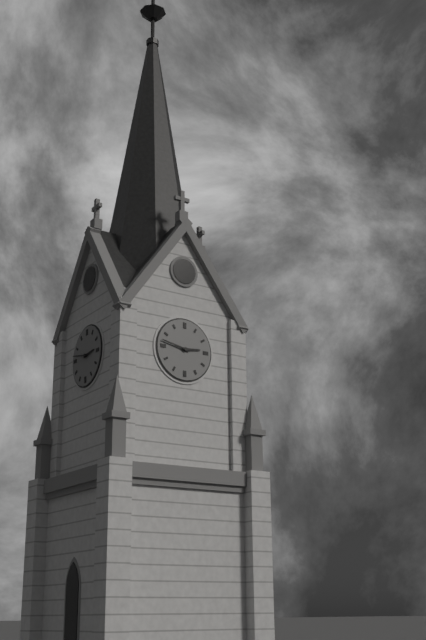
2:47
